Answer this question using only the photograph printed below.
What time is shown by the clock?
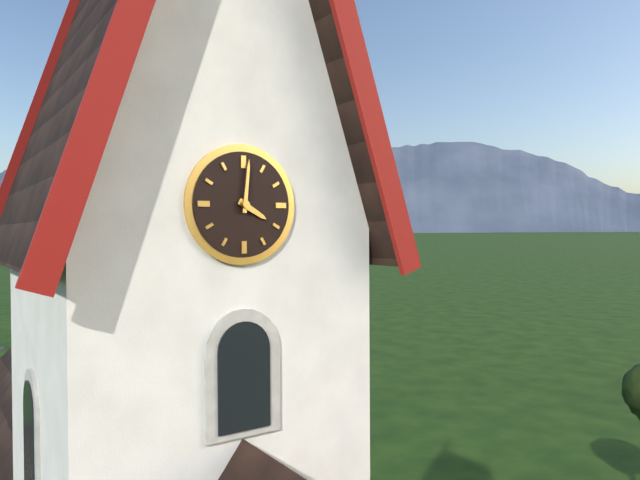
4:01
